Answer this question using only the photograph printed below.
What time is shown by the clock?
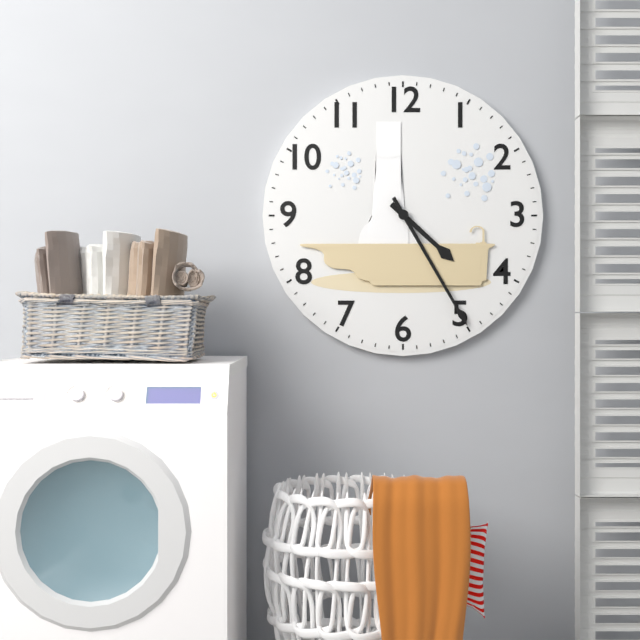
4:25
